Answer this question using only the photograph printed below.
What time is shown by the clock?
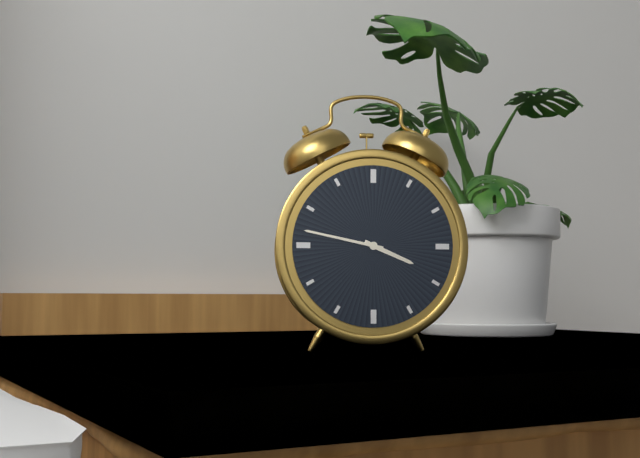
3:47
